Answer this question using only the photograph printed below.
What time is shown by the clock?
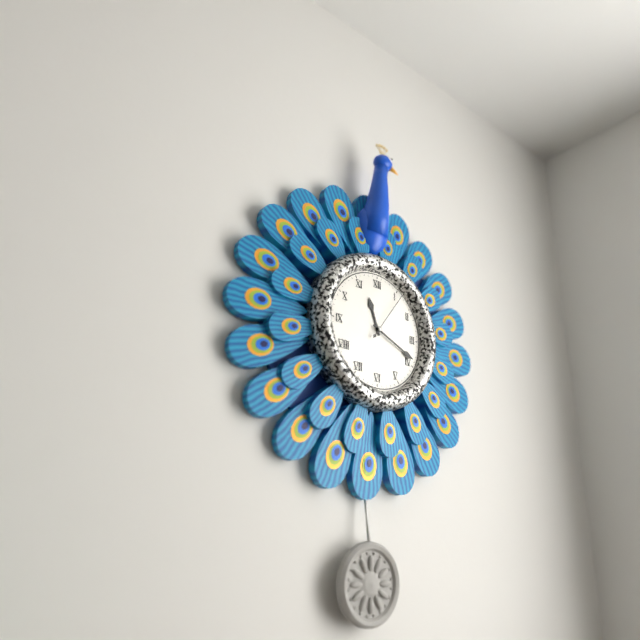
11:19:06
